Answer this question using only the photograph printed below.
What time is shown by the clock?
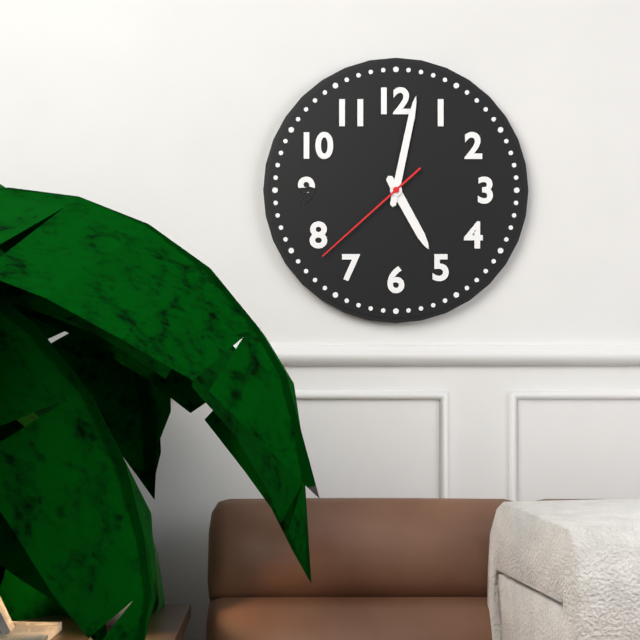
5:02:38
